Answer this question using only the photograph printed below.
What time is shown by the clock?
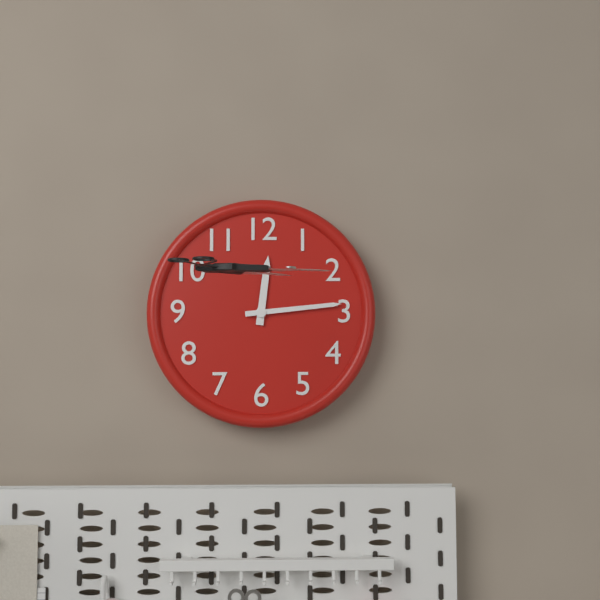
12:14
